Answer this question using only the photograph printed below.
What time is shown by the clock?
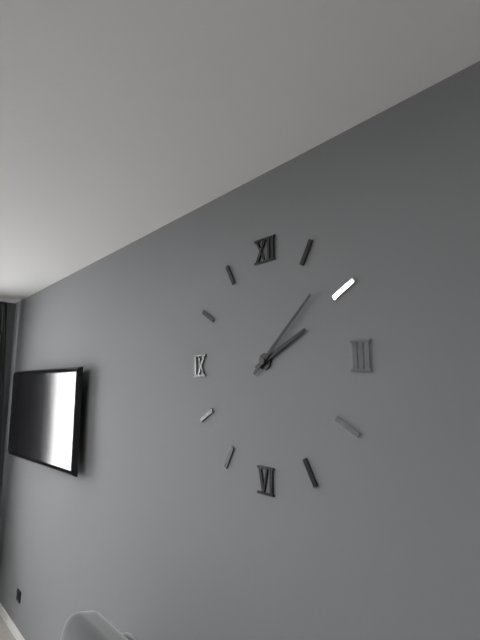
2:08
